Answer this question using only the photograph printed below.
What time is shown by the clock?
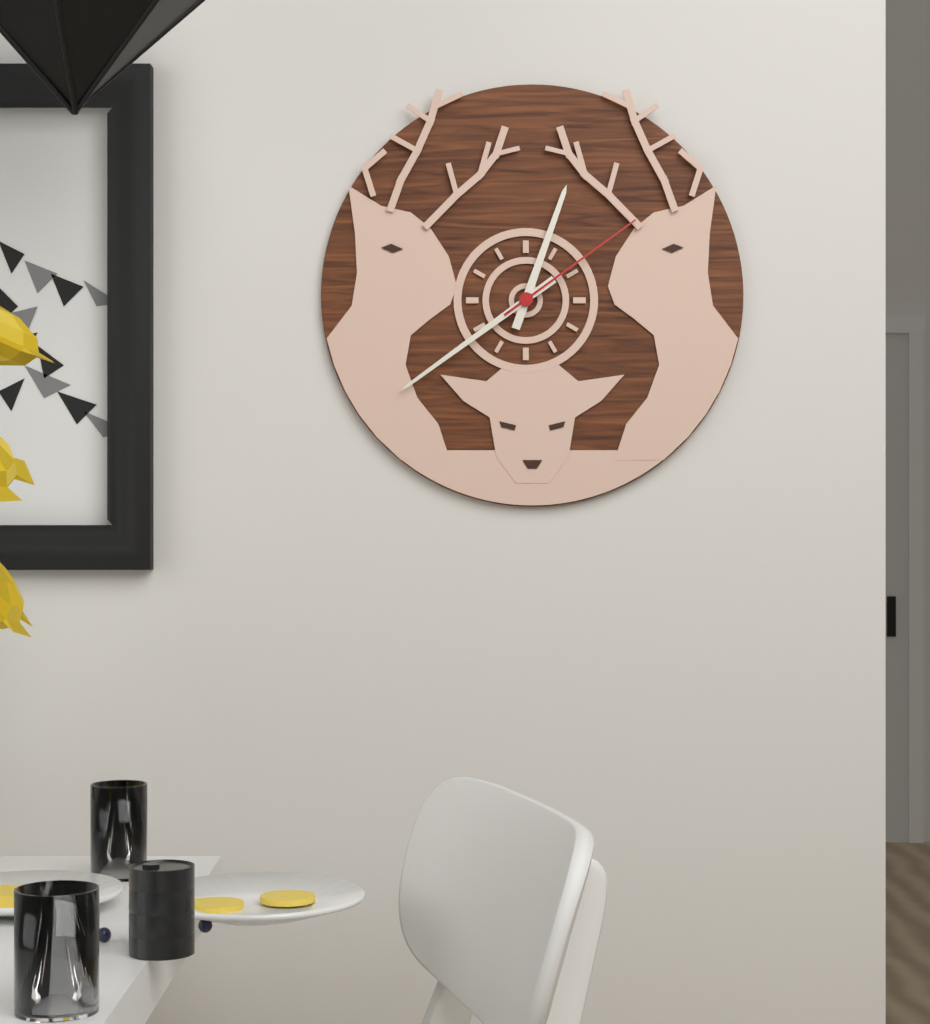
12:39:09
